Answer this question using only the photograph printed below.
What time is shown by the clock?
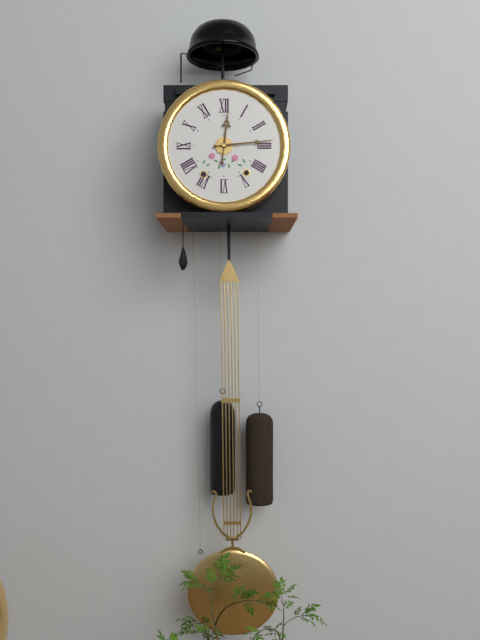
12:14
